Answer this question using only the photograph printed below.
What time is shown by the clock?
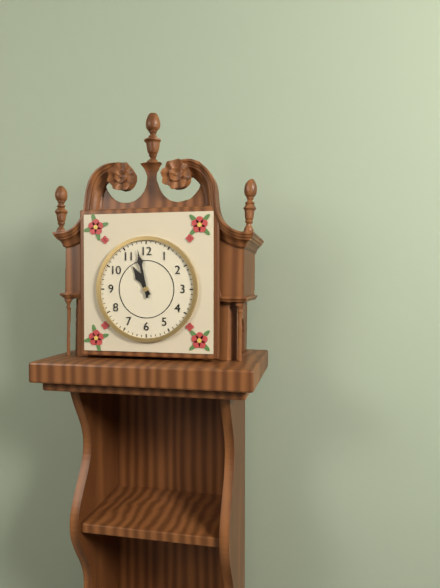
10:58
